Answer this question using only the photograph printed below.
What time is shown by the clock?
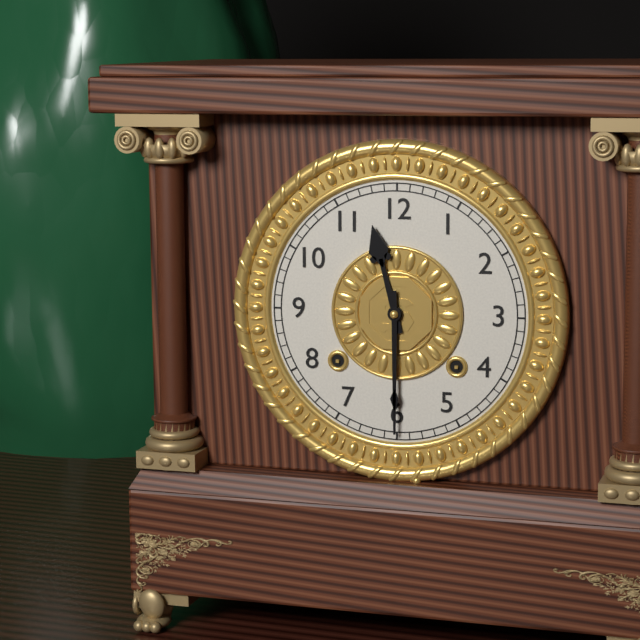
11:30
